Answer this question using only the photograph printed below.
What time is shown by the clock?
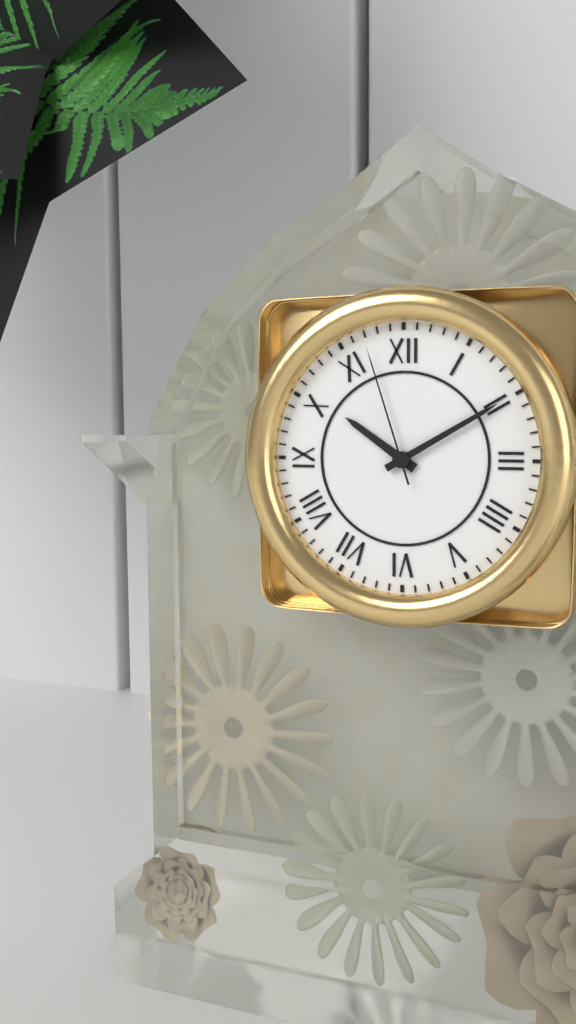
10:10:57
